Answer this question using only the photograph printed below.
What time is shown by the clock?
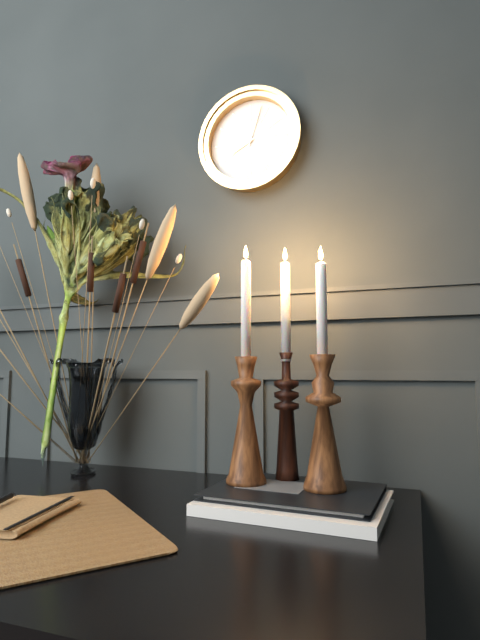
8:03
